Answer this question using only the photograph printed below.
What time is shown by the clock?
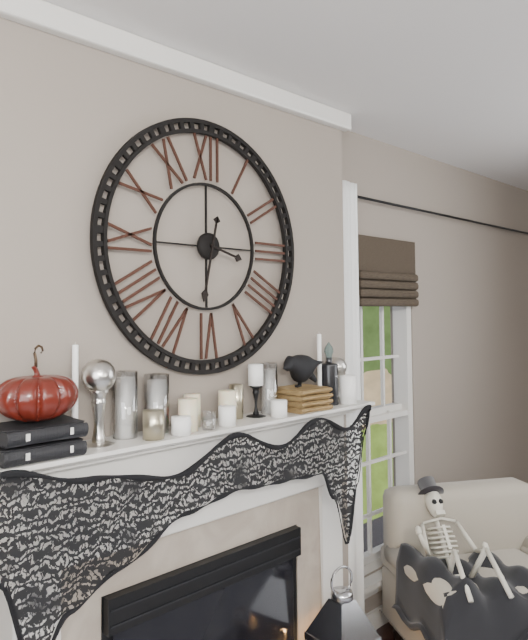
3:32
